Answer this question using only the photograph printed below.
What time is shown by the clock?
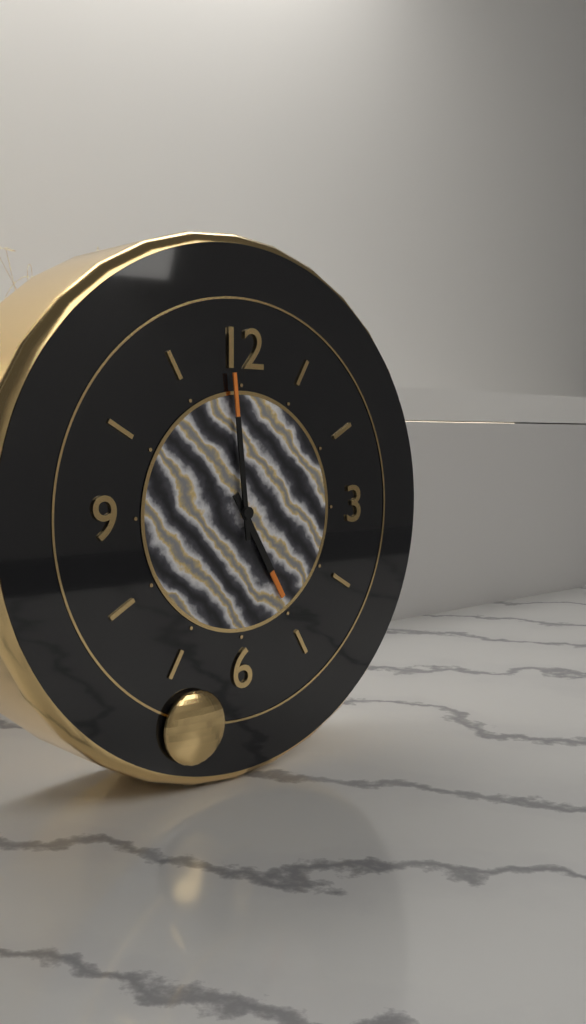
4:59
